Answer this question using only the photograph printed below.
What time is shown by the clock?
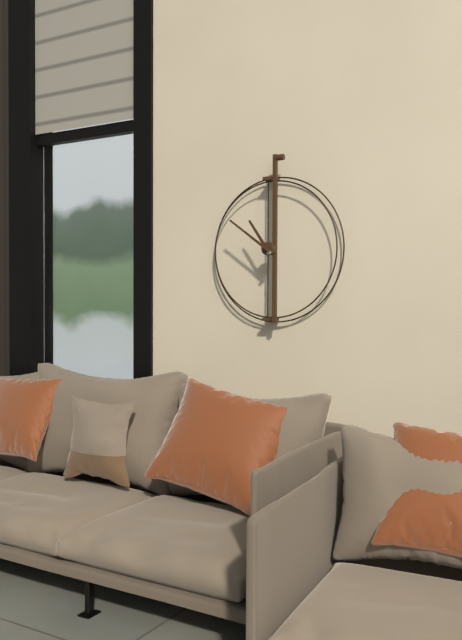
10:51
